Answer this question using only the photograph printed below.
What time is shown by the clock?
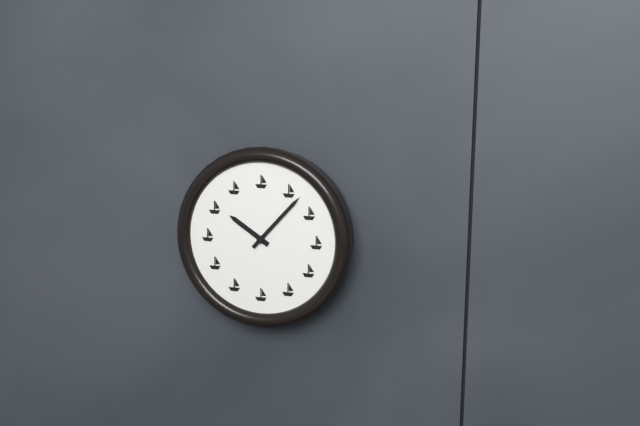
10:07
